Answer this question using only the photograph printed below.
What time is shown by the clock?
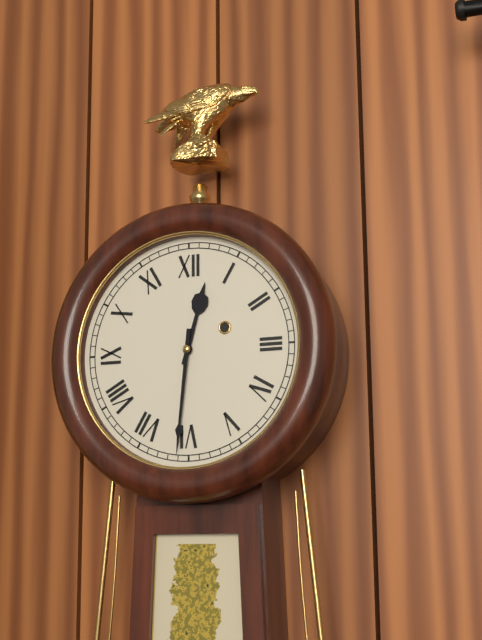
12:31
